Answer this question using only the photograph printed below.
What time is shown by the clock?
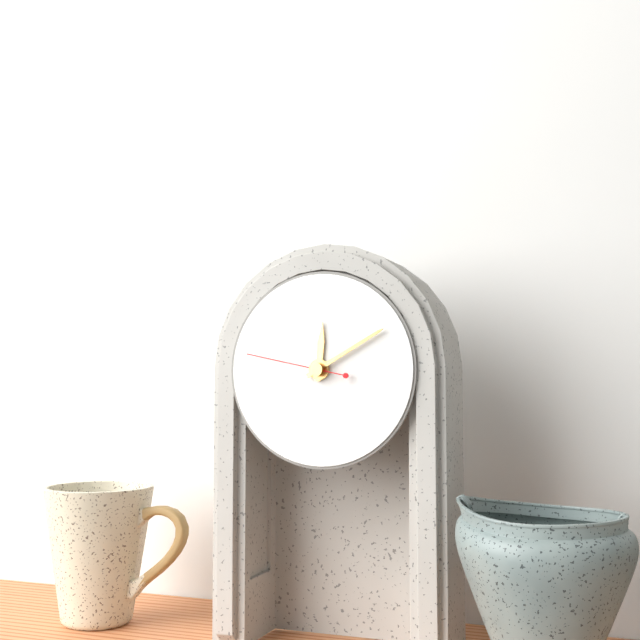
12:10:47
